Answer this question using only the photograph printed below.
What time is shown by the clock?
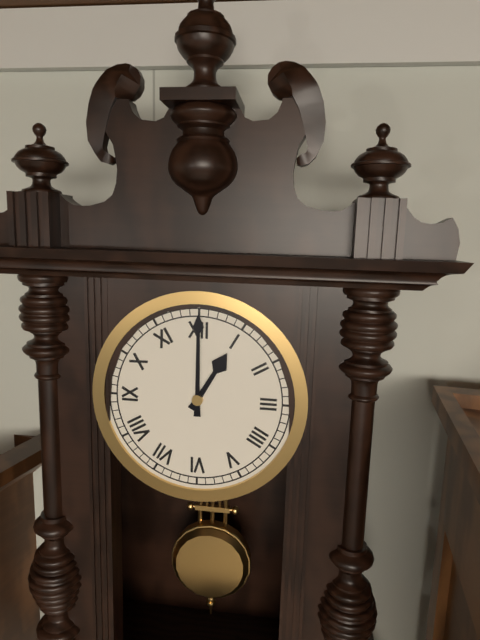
1:00
